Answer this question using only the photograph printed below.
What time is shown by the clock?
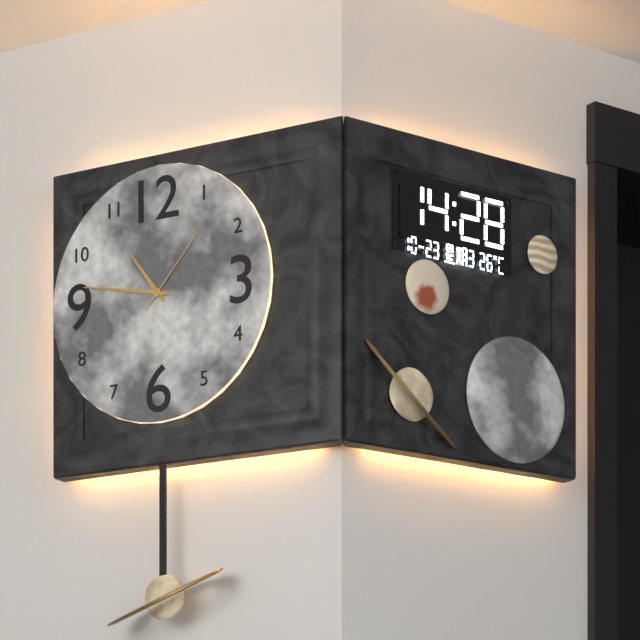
10:47:07
